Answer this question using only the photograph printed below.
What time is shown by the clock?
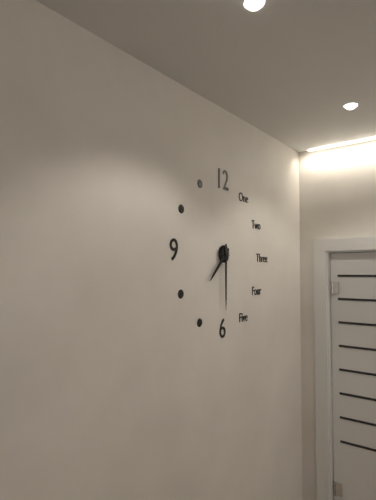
7:30
